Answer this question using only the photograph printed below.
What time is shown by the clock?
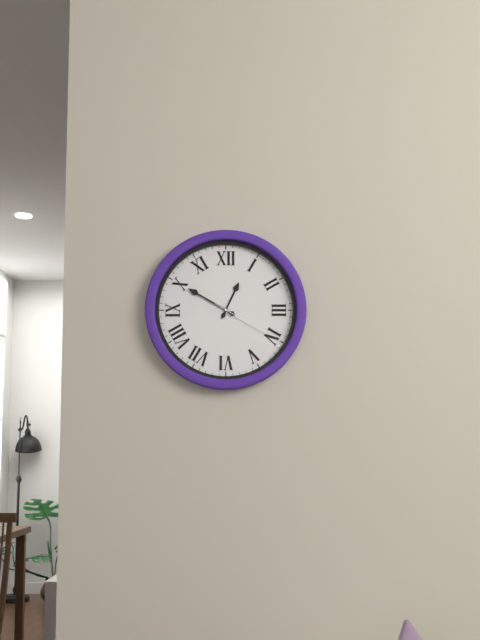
12:50:20
